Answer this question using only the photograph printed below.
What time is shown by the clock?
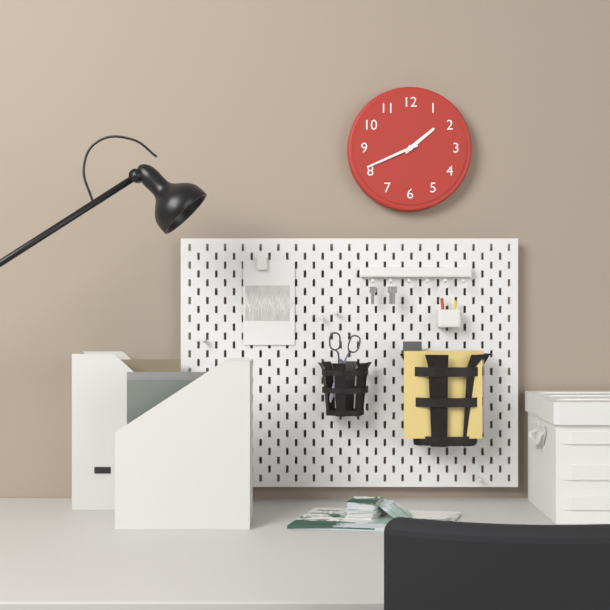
1:41
